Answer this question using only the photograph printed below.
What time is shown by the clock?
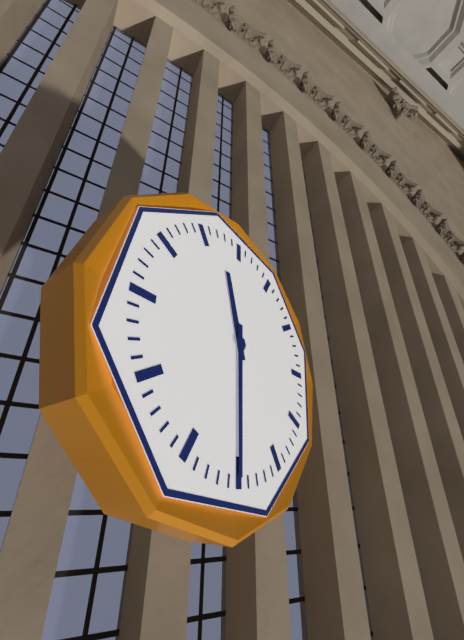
11:30
